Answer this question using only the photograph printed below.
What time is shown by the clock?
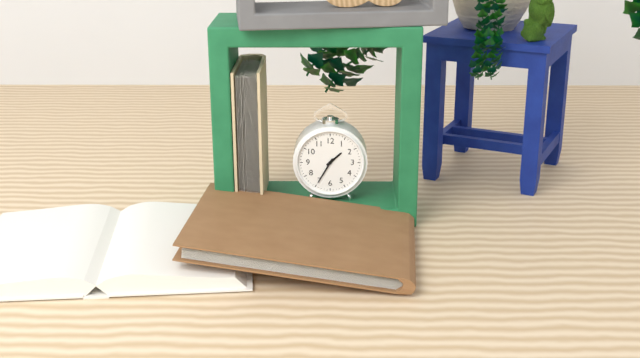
1:35
